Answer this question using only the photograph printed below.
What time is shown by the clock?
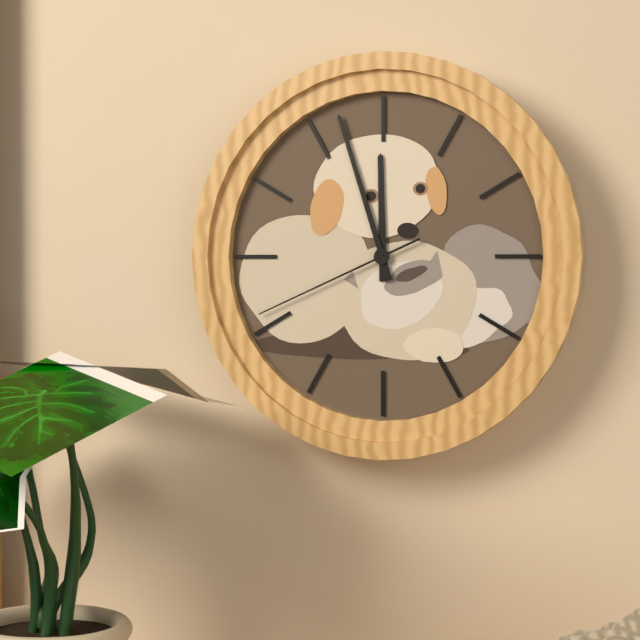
11:57:41
